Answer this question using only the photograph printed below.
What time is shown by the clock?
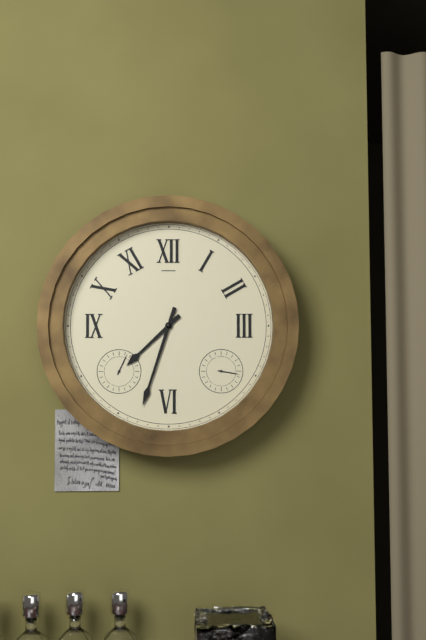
7:33
